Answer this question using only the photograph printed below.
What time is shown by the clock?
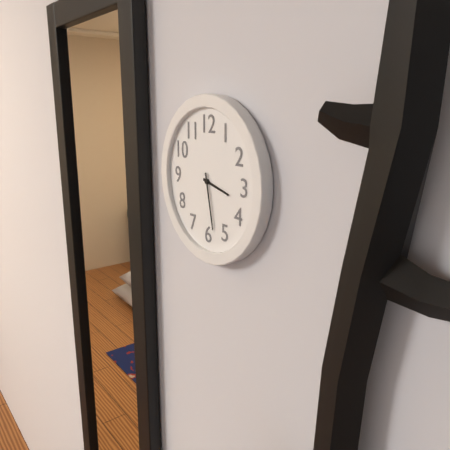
3:28
